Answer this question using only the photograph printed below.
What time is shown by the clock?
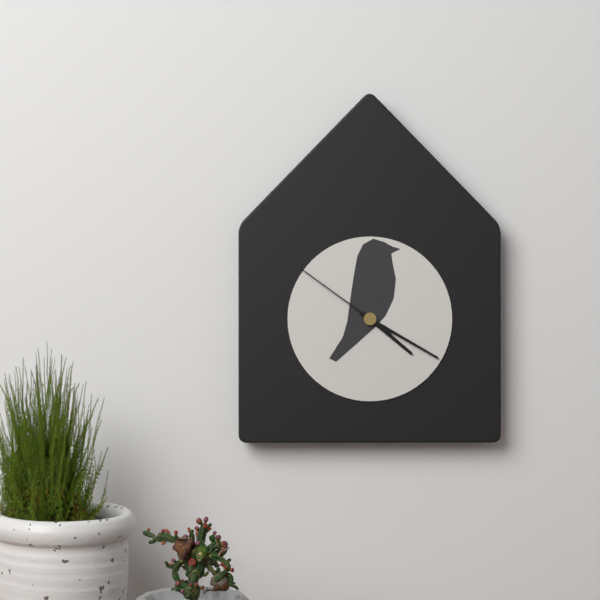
4:20:51
